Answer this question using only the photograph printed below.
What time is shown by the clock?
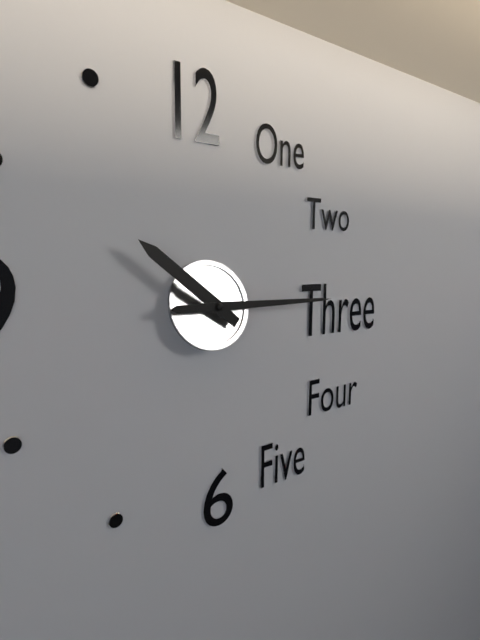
10:15
